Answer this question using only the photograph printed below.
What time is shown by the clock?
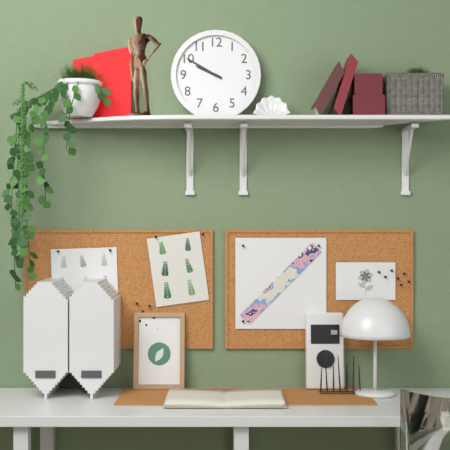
9:50
